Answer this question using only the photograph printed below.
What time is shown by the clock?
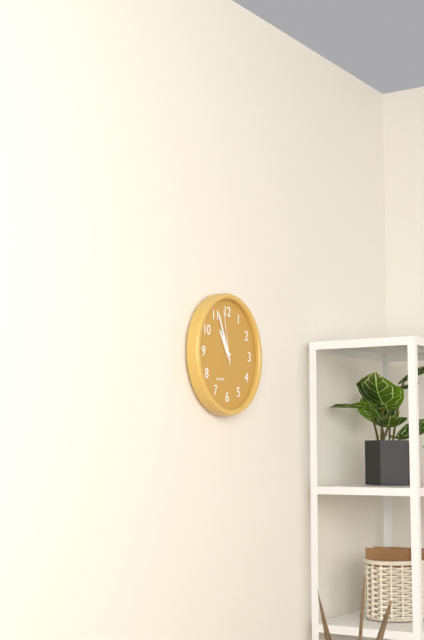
10:56:58
